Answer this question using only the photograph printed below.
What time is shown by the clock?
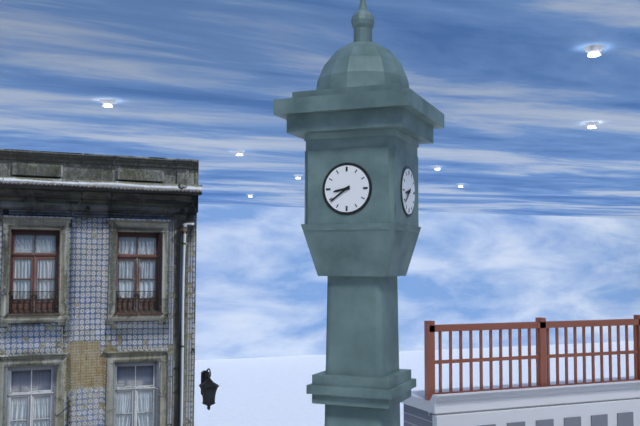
8:39
